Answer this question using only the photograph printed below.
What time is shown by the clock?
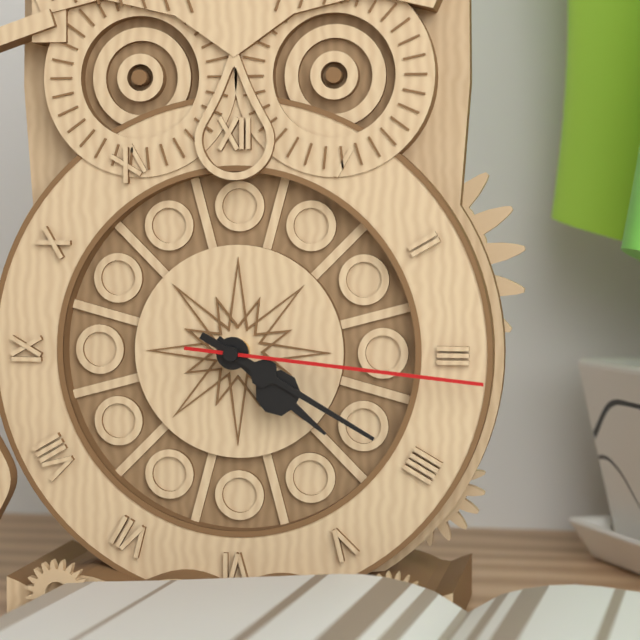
4:20:16
